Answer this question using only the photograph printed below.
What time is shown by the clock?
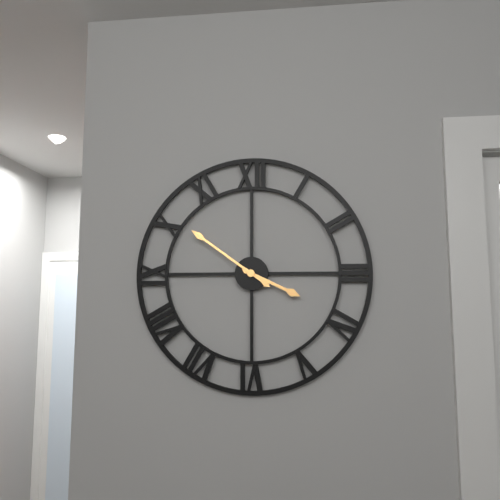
3:51
